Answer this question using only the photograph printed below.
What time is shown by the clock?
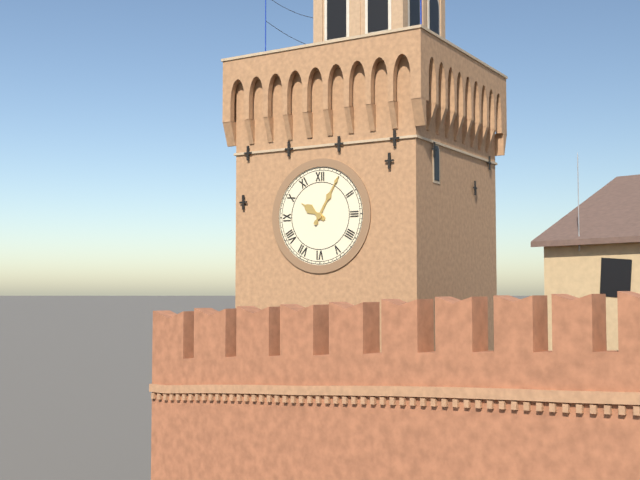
10:05
